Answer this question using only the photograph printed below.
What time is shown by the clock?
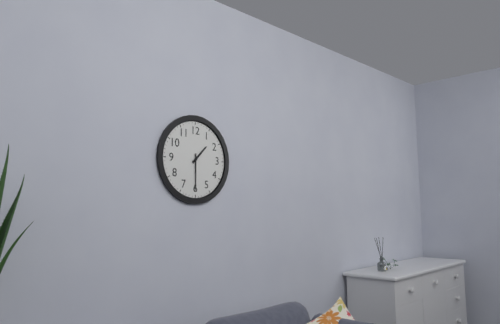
1:30
